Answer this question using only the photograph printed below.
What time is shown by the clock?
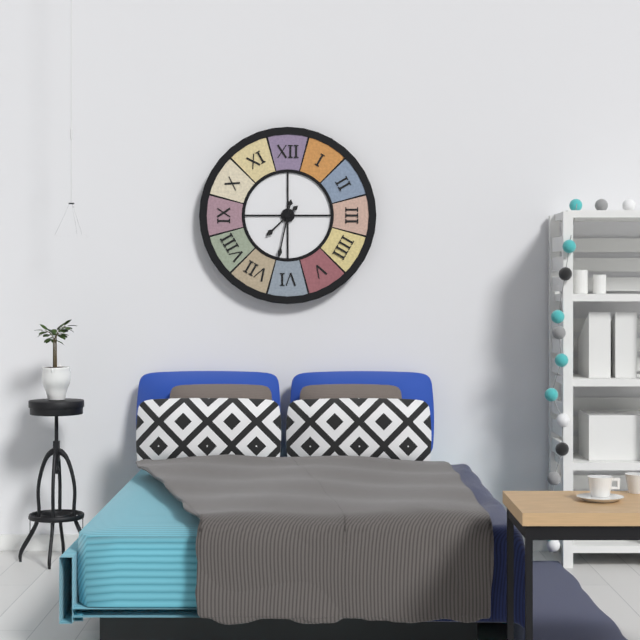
7:32
